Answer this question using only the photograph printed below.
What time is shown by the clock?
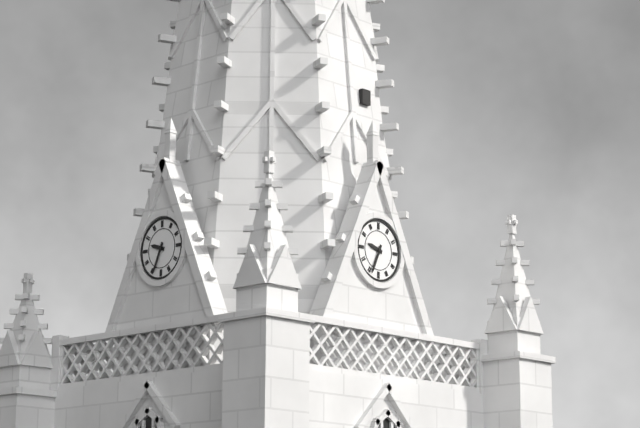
9:34
